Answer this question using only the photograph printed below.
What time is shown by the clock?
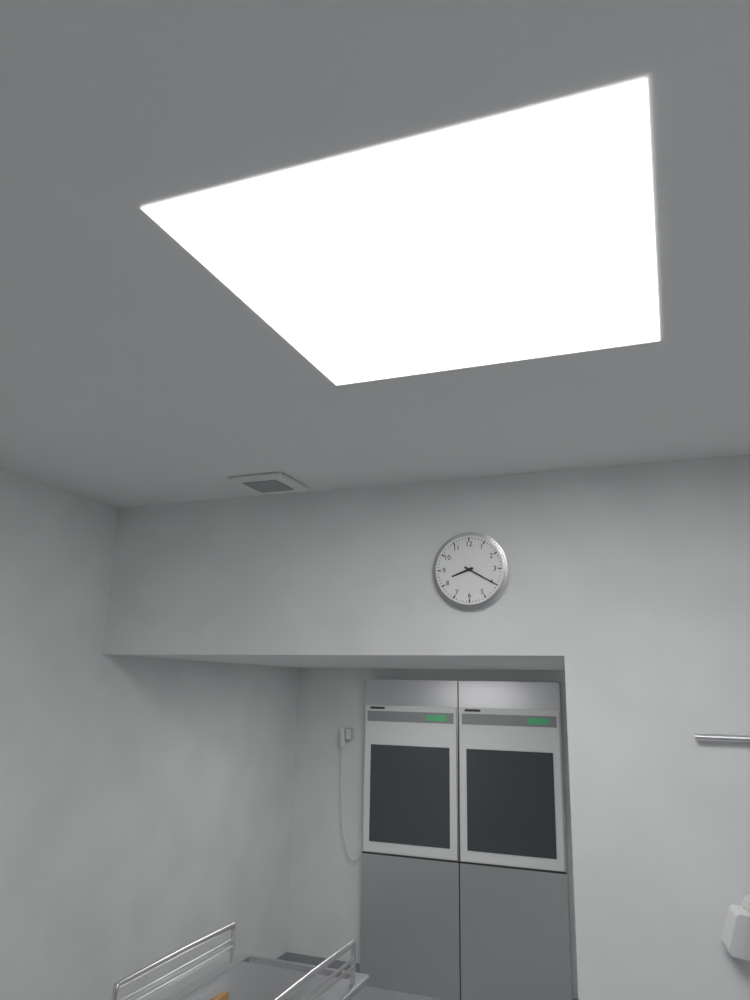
8:20
